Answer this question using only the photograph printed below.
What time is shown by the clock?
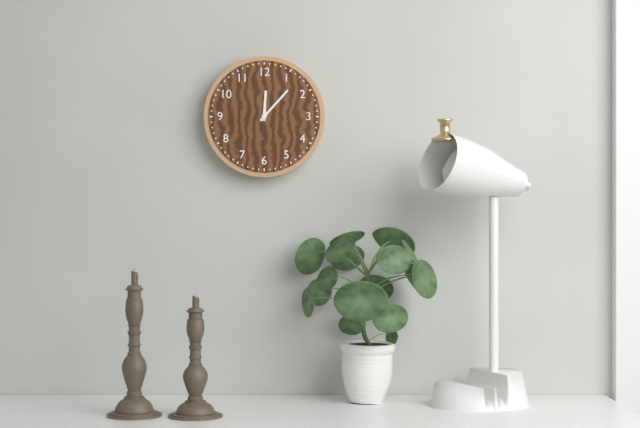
12:07
